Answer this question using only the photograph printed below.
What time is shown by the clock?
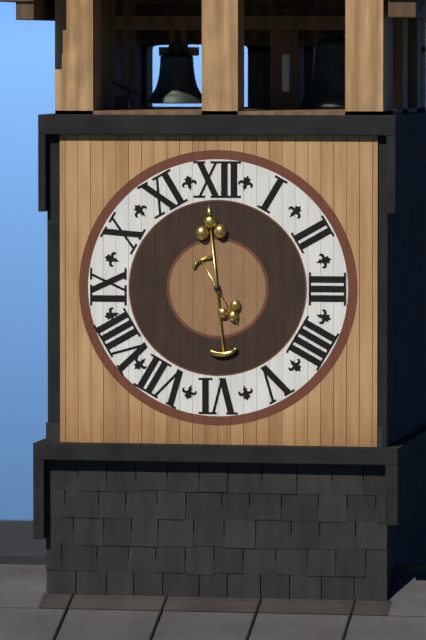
4:59
